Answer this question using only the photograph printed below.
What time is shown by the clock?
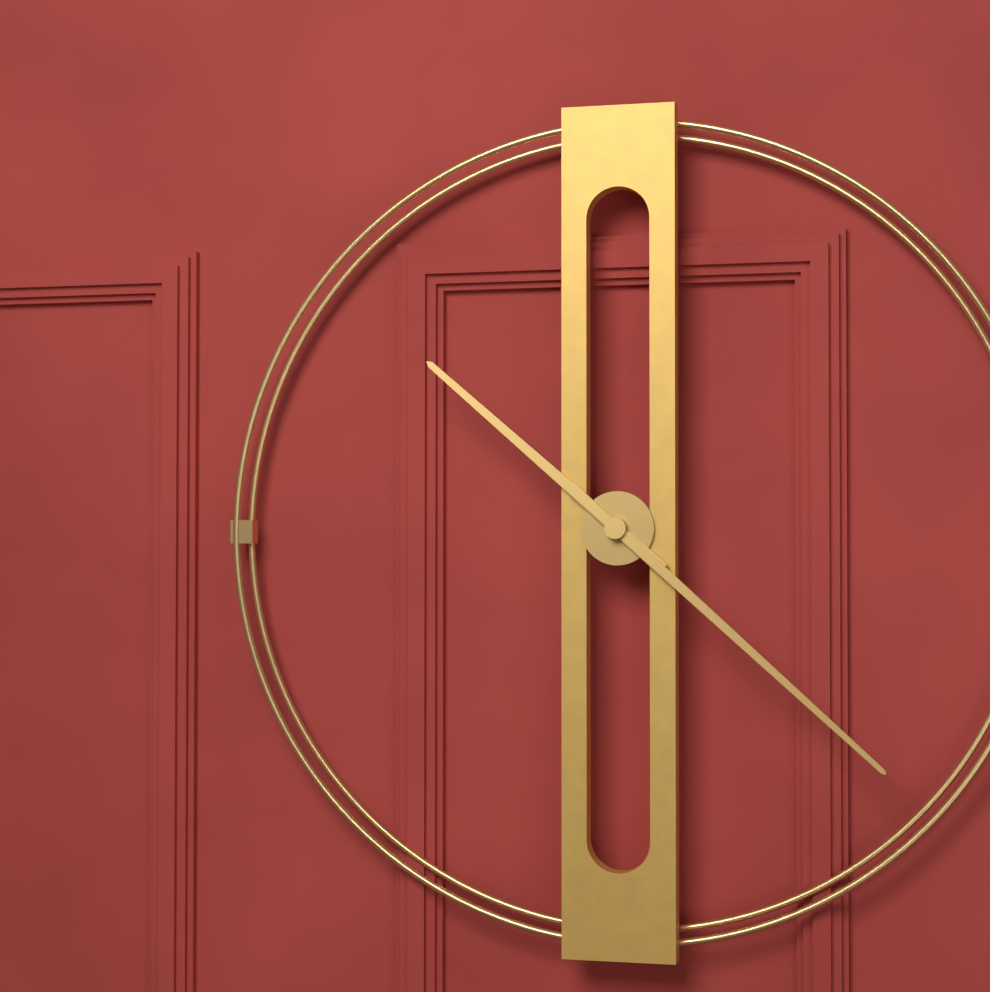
10:22
